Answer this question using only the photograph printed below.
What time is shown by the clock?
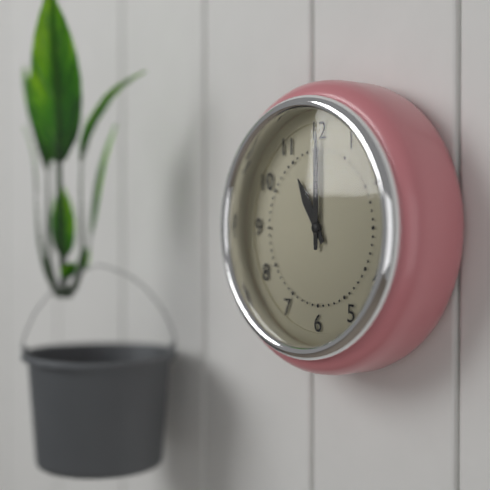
11:00
